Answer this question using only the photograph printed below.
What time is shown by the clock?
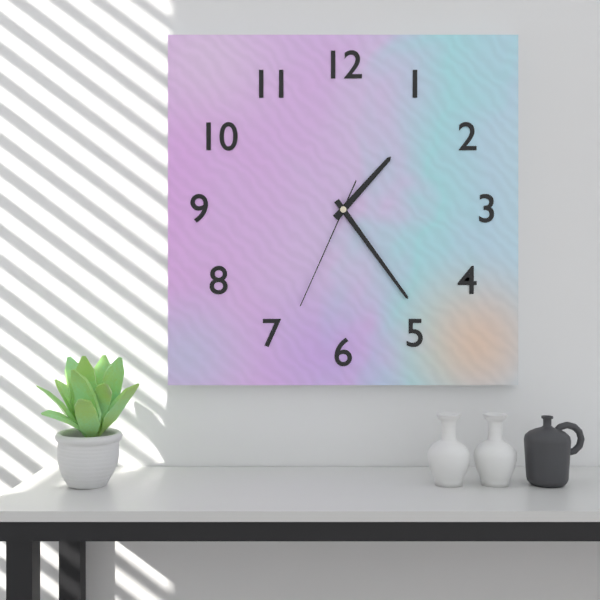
1:24:34
